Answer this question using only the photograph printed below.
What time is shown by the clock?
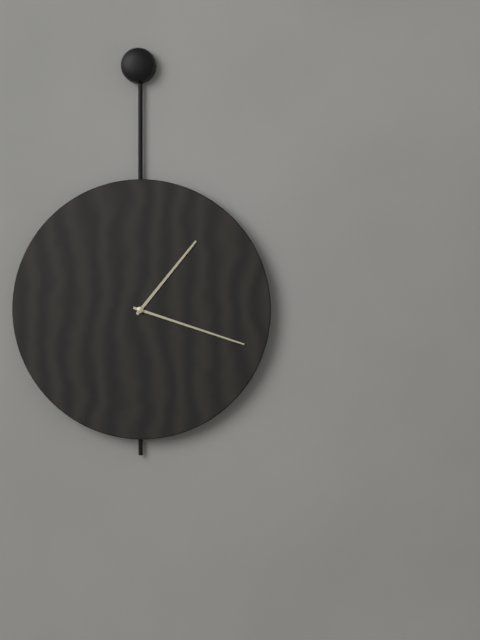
1:18
